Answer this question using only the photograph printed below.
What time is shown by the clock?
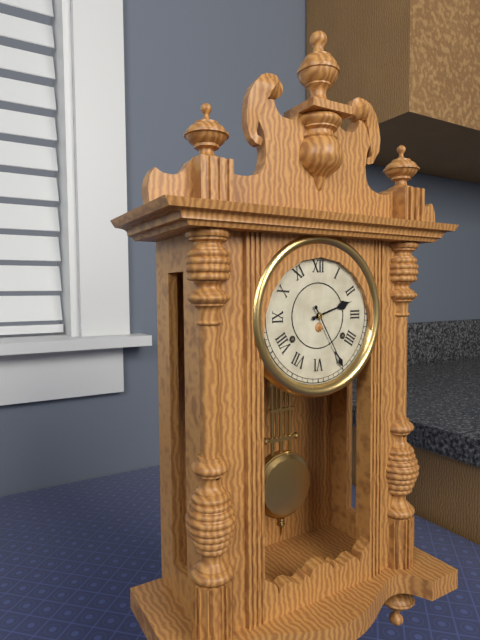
2:25
